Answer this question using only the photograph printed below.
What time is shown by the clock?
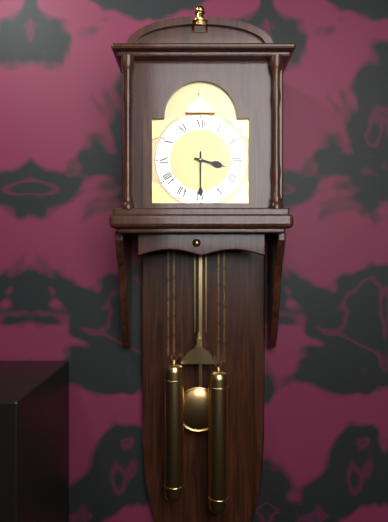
3:30
